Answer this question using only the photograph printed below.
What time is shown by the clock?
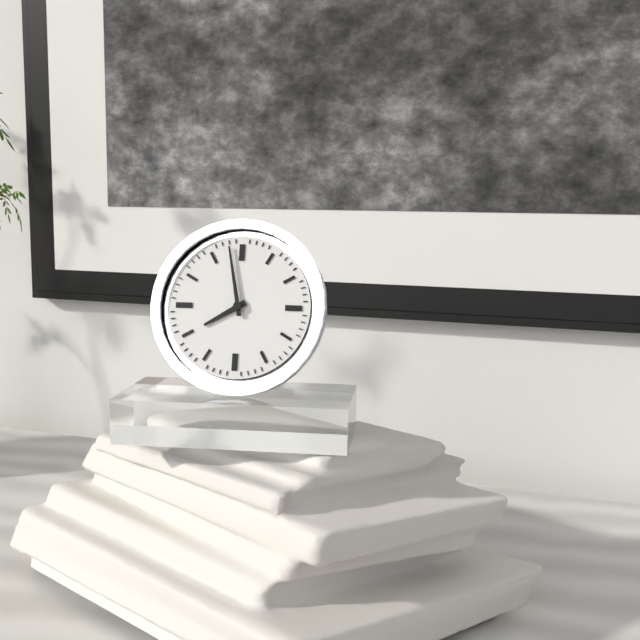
7:58
